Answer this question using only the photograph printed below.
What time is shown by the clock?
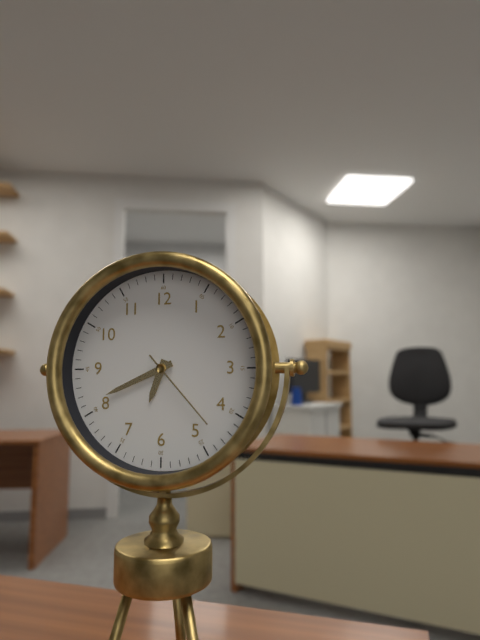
6:41:23
